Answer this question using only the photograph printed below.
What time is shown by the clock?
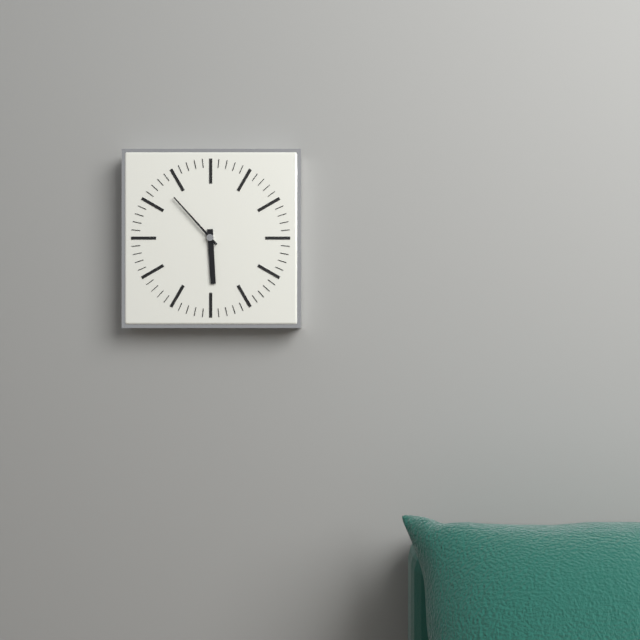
5:53
